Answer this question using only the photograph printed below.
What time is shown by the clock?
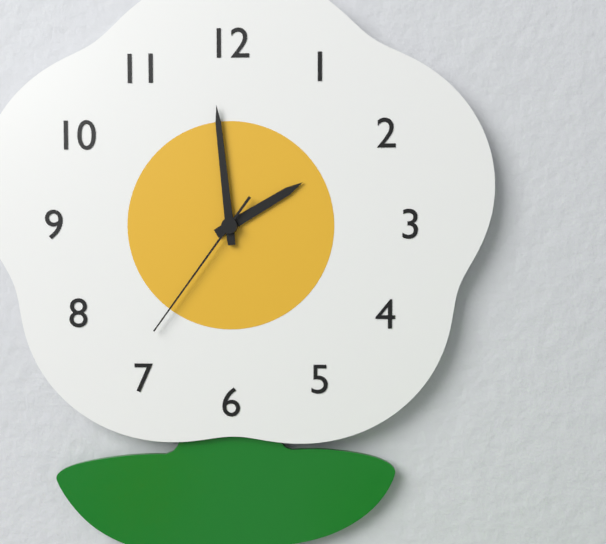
1:59:36
